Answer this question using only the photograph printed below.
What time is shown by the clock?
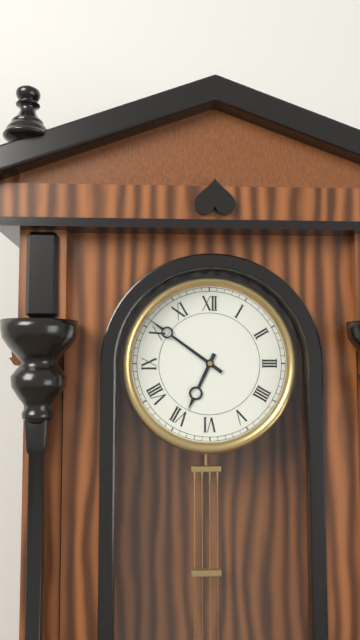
6:51
